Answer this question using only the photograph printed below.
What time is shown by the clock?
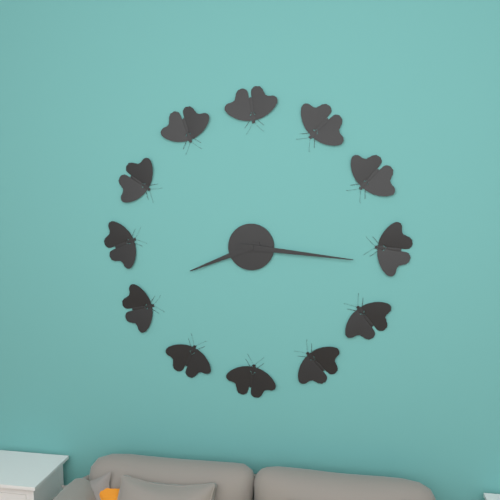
8:16
